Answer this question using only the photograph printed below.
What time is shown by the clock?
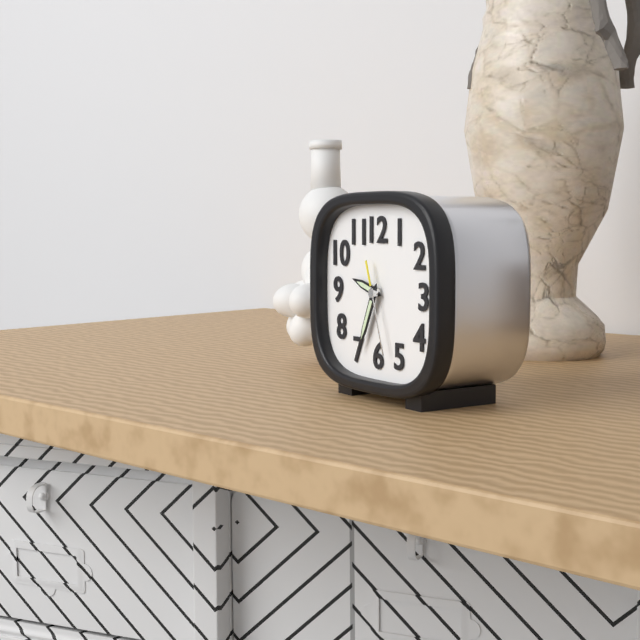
9:34:27
